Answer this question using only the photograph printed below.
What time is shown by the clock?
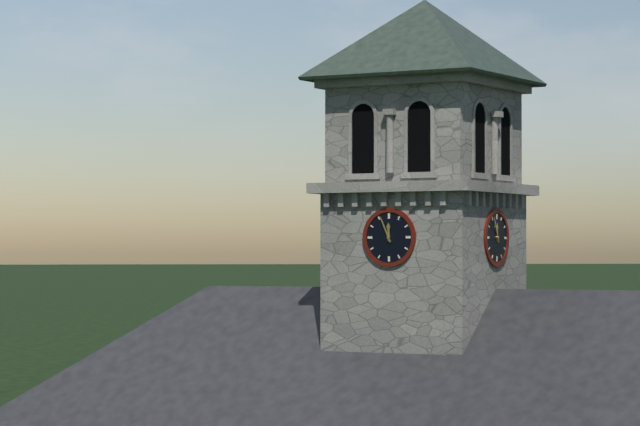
11:56
